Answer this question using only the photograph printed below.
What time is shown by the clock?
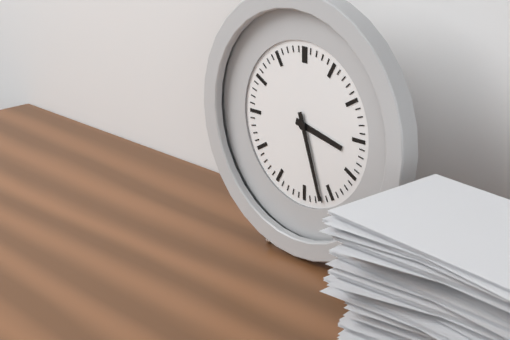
3:27
